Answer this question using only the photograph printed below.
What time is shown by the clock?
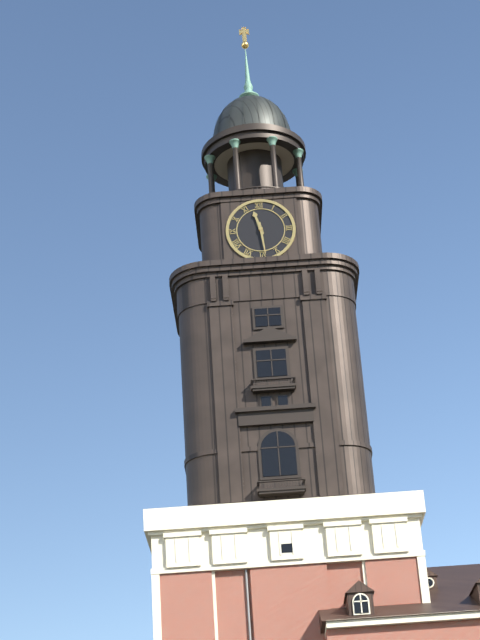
11:29
